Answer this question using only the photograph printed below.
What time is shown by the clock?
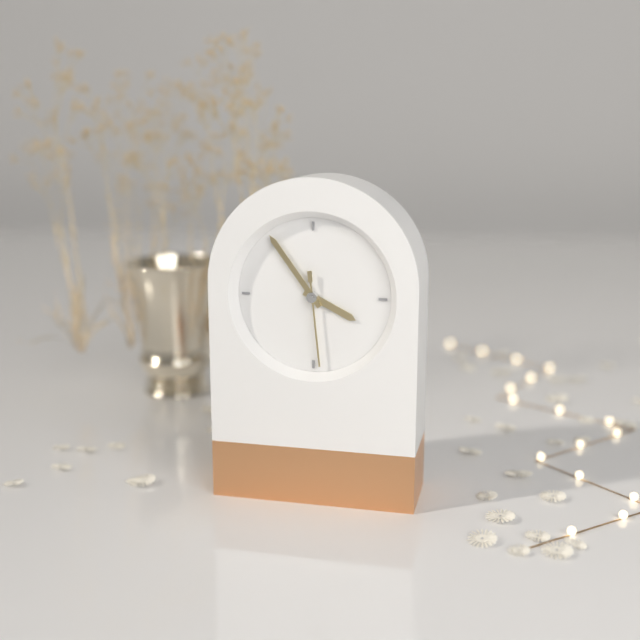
3:54:29
